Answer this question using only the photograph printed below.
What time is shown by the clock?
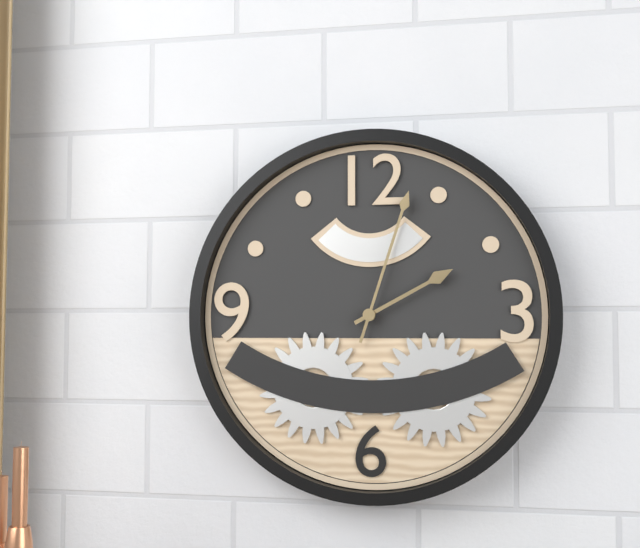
2:03
